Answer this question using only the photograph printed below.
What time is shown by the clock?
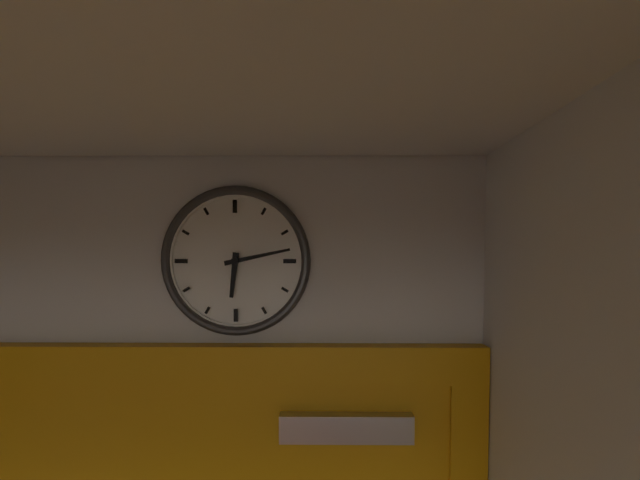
6:13
